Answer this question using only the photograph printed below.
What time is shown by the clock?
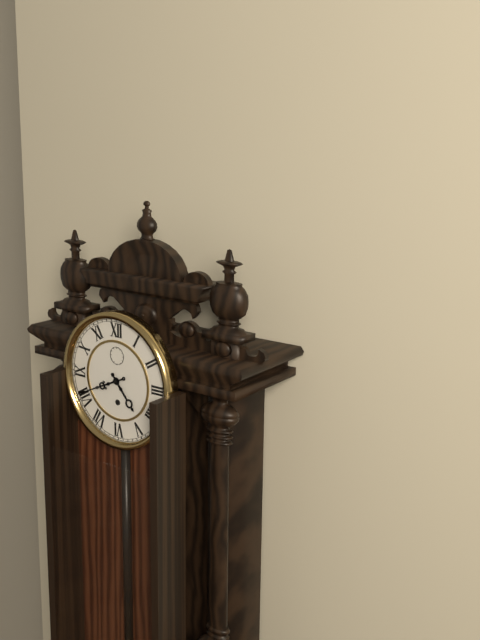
4:41
